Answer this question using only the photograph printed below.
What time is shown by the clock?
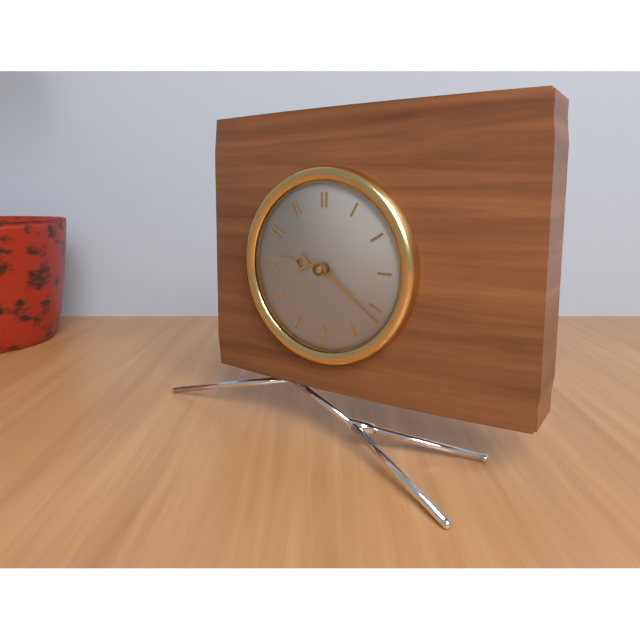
9:21
